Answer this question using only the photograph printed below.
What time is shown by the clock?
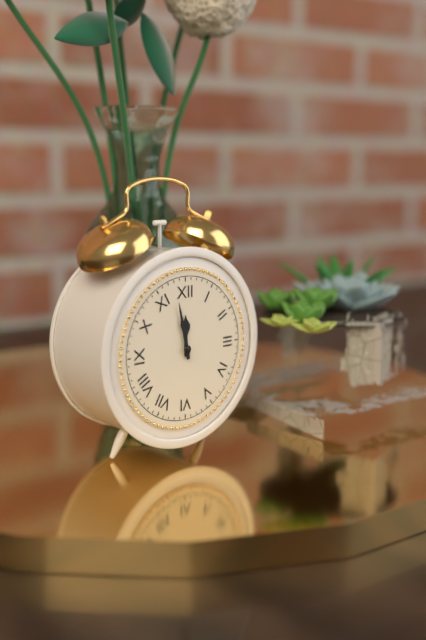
11:58
